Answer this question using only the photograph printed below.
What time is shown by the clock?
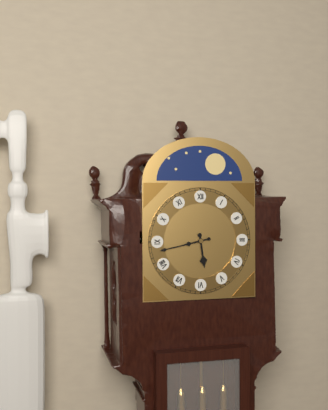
5:43
